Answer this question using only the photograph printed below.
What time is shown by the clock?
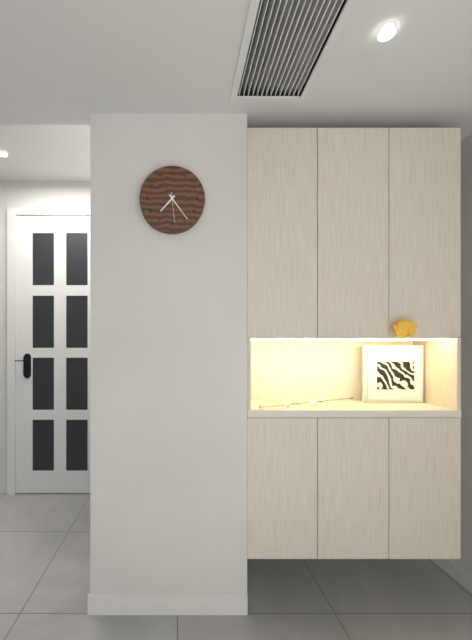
7:24
